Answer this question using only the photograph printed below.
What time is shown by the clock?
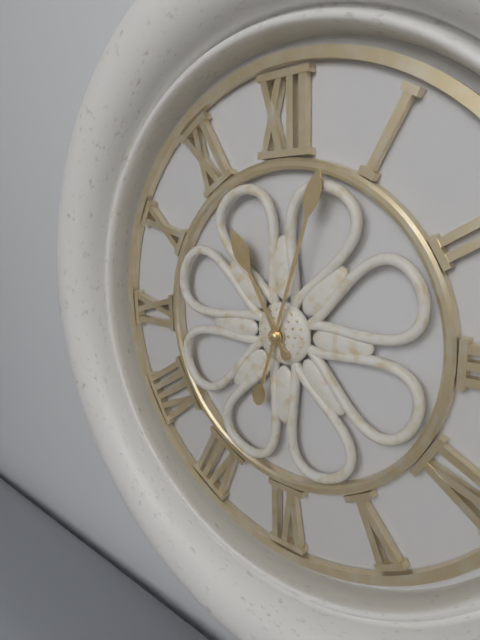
11:03
